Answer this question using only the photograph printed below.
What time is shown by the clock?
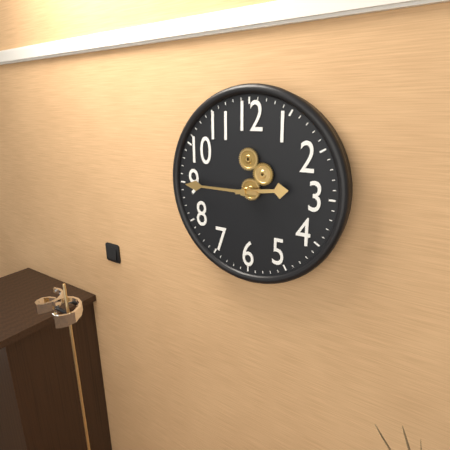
2:45
